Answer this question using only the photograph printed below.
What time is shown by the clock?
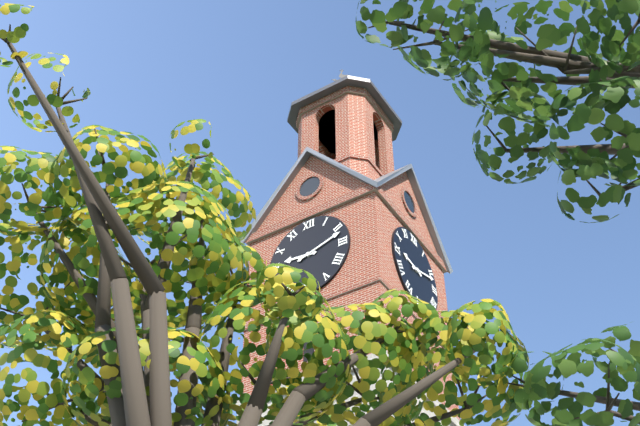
9:12
